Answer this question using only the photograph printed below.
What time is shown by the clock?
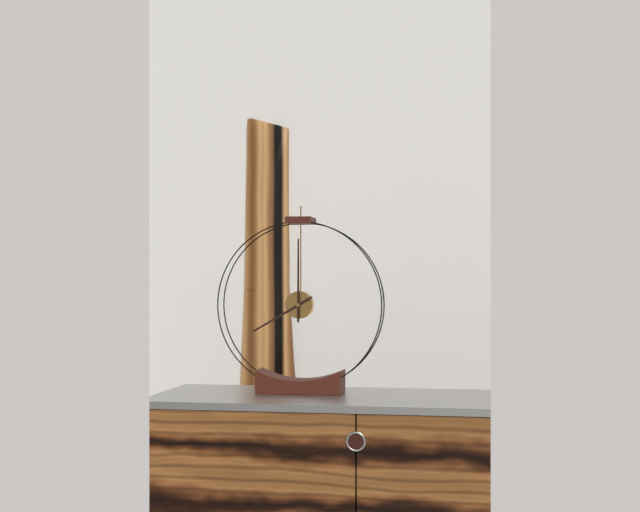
8:00
